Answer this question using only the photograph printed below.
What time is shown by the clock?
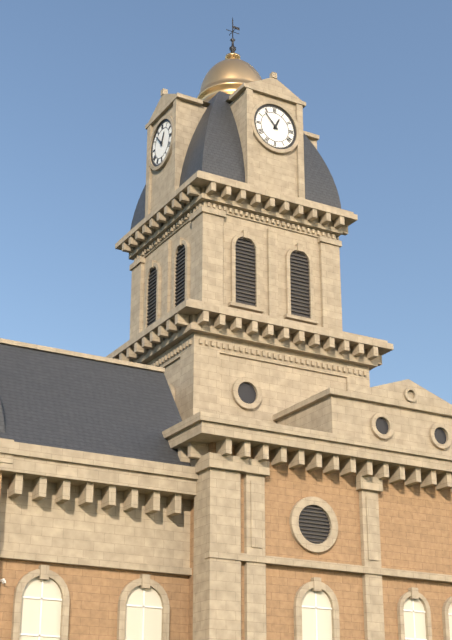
12:53
